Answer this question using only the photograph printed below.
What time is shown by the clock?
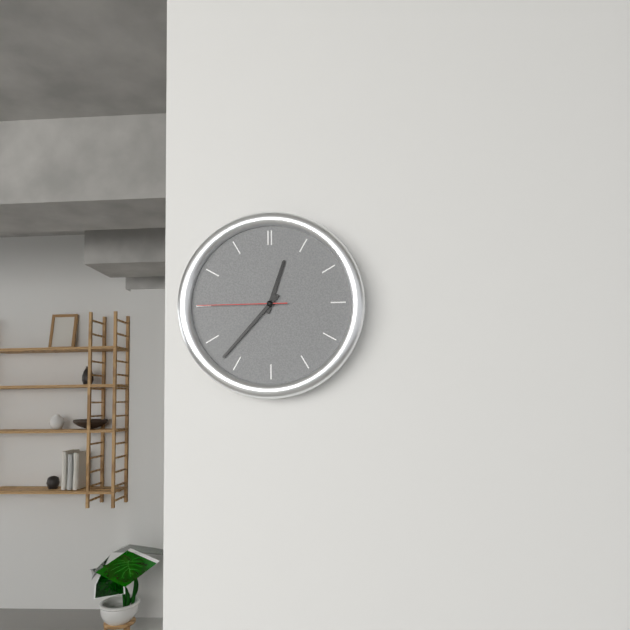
12:37:45
